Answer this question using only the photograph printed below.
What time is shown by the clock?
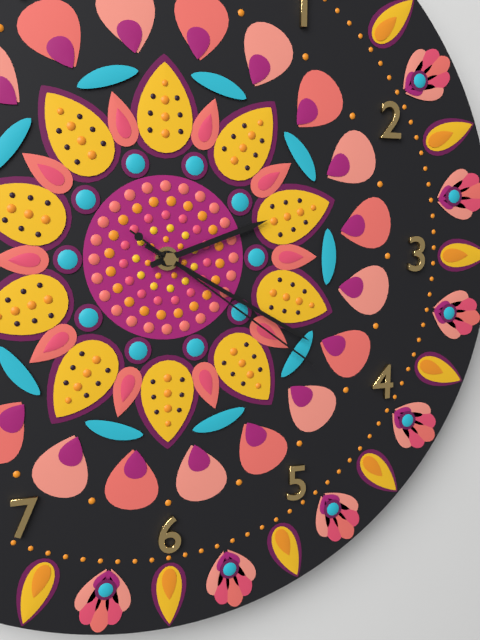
2:20:21
